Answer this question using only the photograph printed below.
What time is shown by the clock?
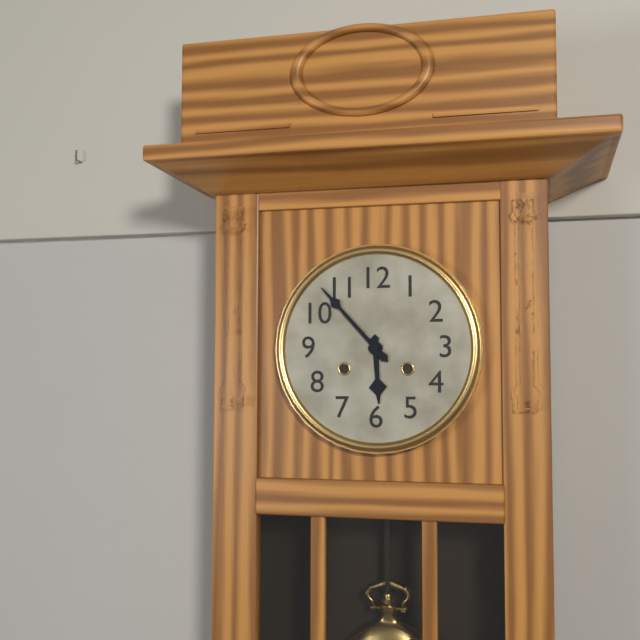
5:53
